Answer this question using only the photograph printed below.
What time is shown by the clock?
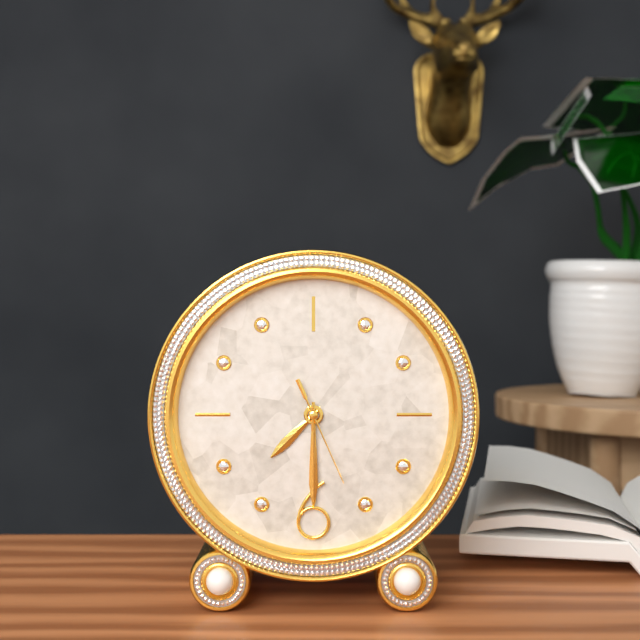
7:30:26
